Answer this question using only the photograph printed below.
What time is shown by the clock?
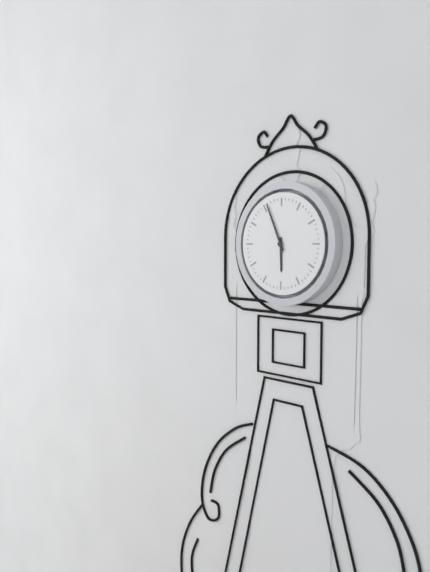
5:56
